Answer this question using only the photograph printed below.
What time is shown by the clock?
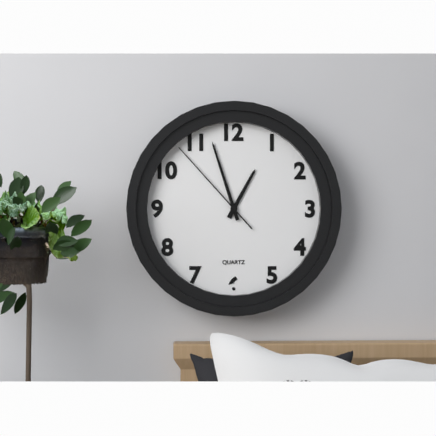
12:57:53
